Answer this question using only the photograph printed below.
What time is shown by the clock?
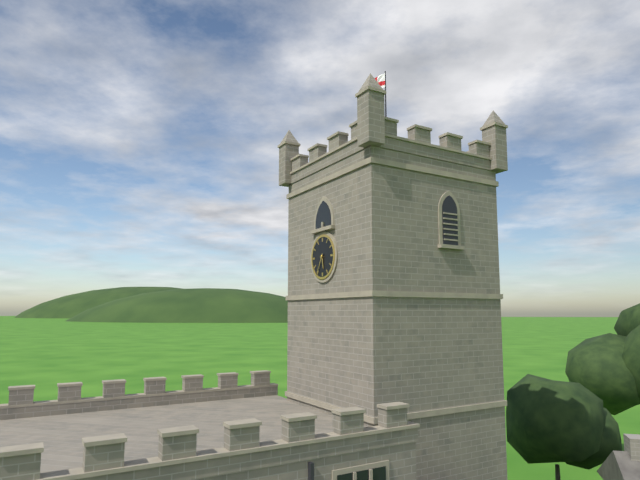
5:35
